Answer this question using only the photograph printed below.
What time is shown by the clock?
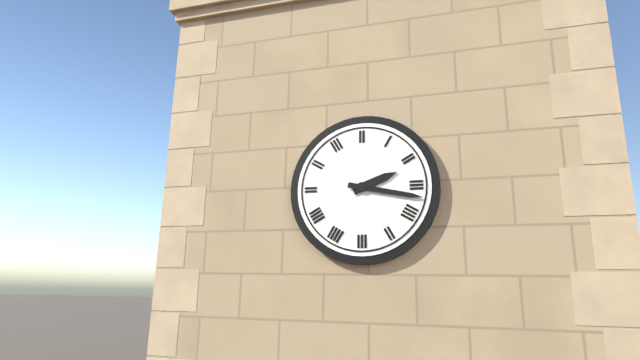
2:17
